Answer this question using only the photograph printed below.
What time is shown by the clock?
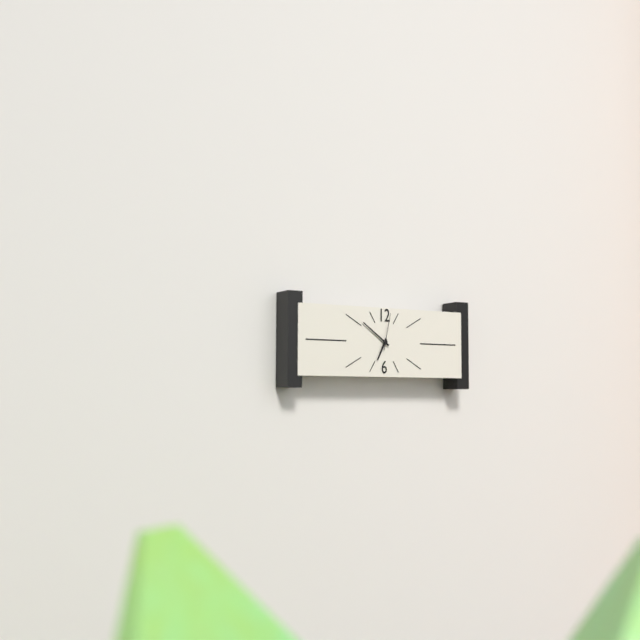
6:51
